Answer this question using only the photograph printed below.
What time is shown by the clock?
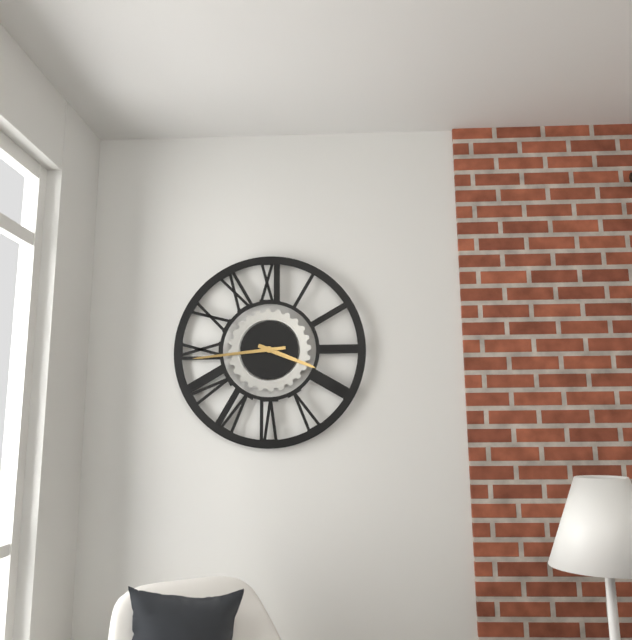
3:44
